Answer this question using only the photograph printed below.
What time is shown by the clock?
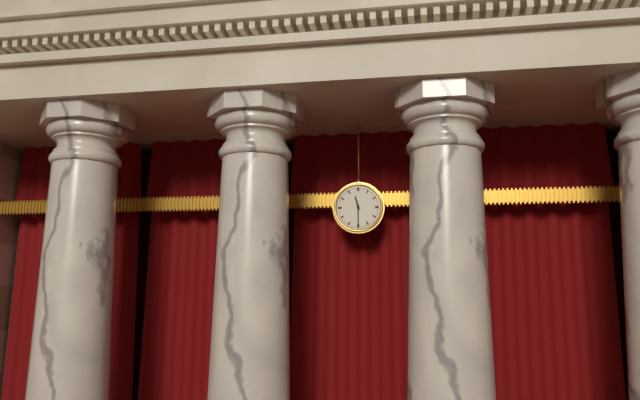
11:30
